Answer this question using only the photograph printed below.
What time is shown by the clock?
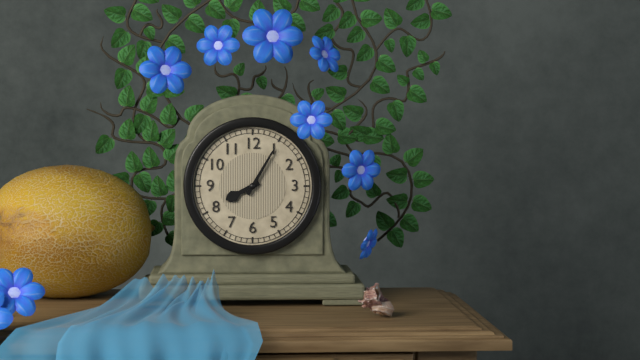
8:05
